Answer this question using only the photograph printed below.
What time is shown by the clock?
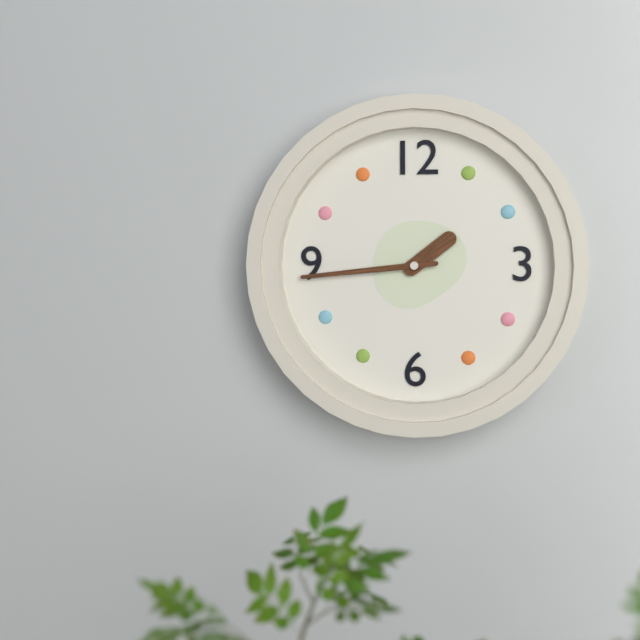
1:44
